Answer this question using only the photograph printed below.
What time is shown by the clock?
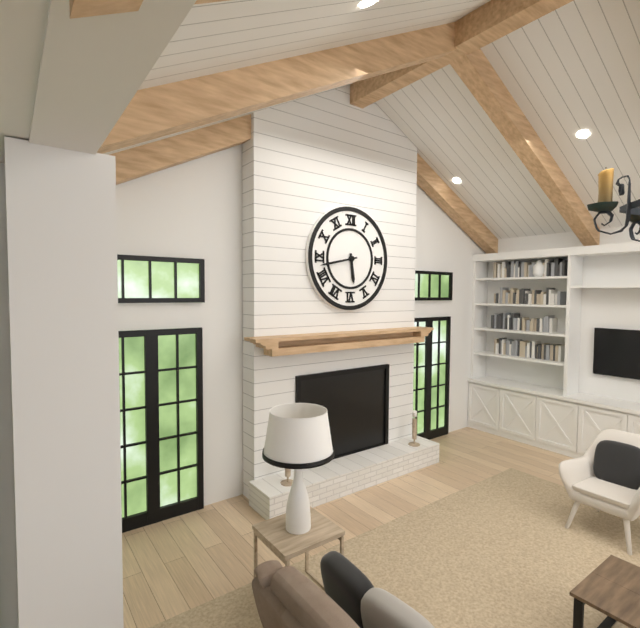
5:43
